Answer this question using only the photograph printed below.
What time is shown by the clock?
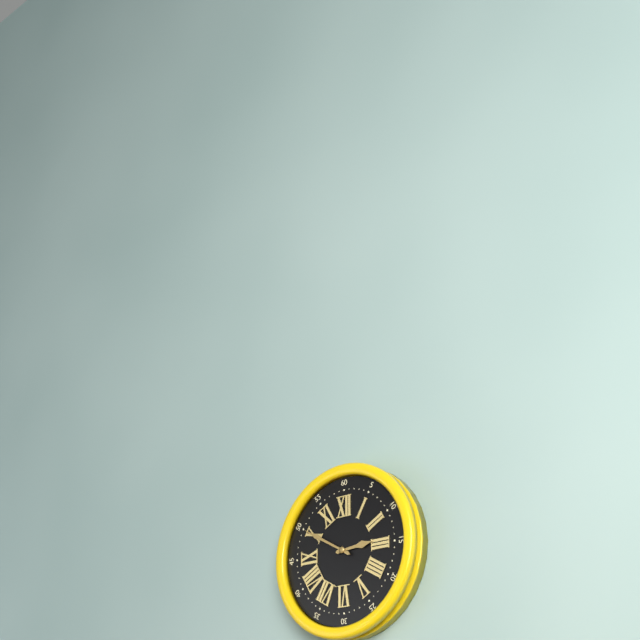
2:50
